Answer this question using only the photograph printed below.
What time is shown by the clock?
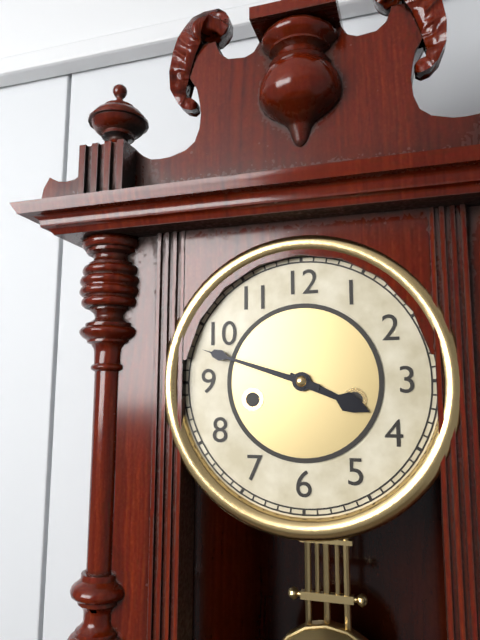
3:48
